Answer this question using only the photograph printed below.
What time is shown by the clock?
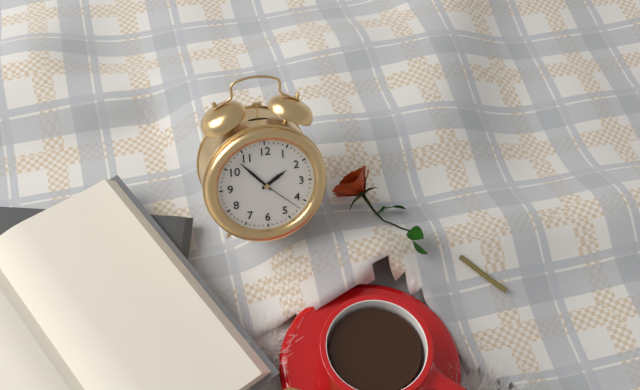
1:53
